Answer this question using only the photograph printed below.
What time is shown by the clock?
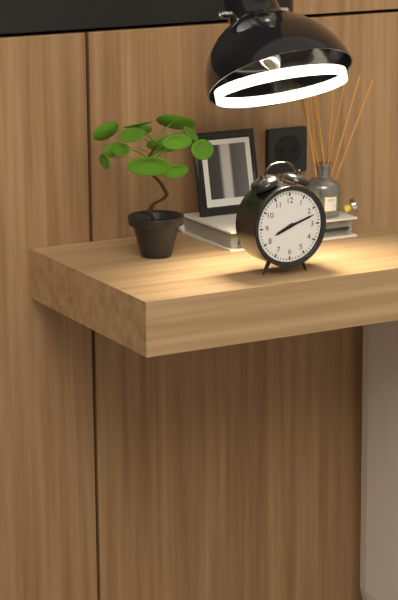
8:12
